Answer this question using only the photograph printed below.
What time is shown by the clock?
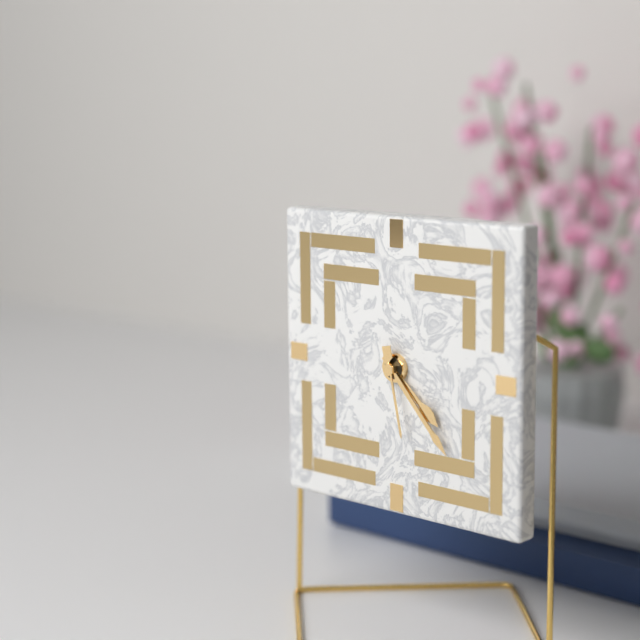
4:23:28
